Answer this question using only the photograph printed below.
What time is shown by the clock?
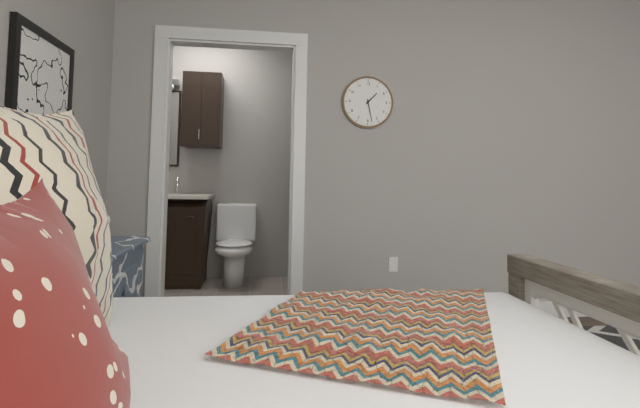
1:28
